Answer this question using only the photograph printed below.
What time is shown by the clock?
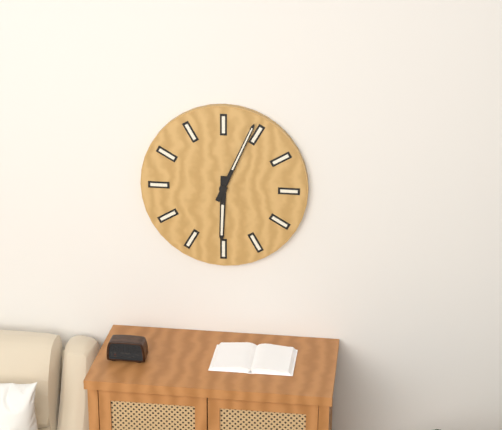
6:04
